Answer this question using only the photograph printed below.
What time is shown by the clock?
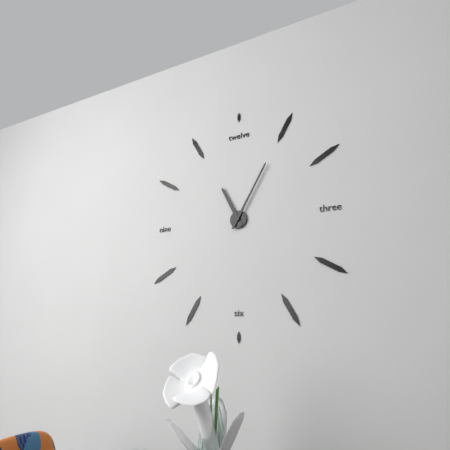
11:05
